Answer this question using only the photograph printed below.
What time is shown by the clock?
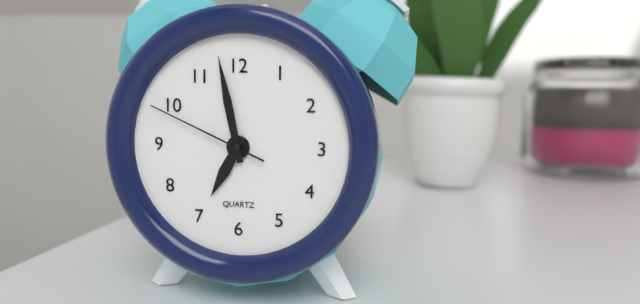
6:58:49
